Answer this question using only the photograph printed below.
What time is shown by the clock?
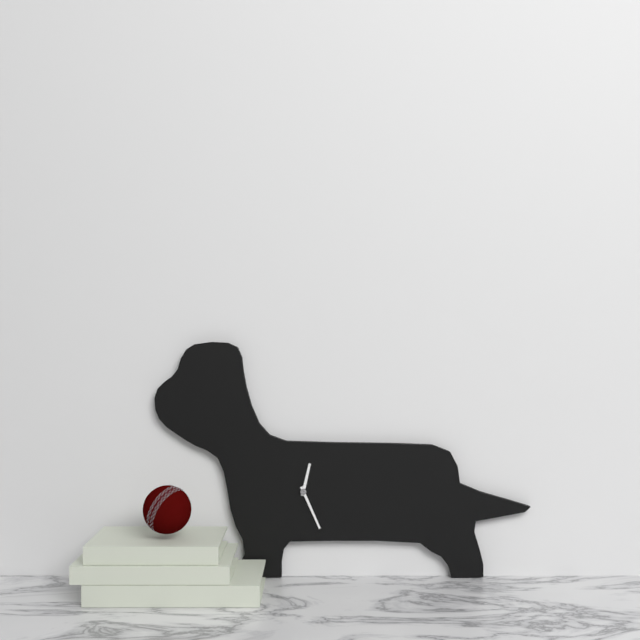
12:26
